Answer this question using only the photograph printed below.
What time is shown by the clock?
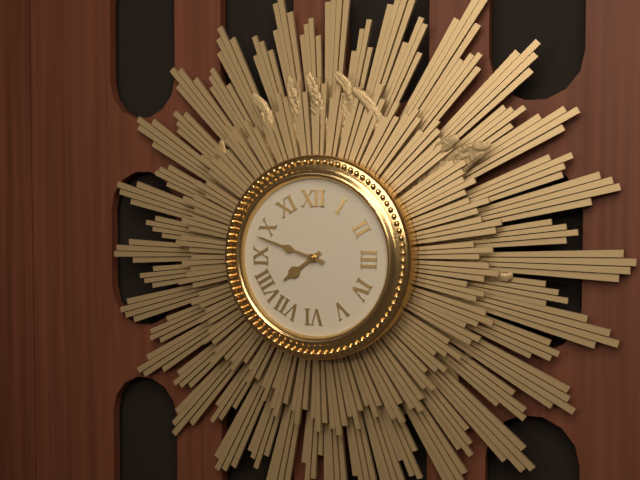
7:48
